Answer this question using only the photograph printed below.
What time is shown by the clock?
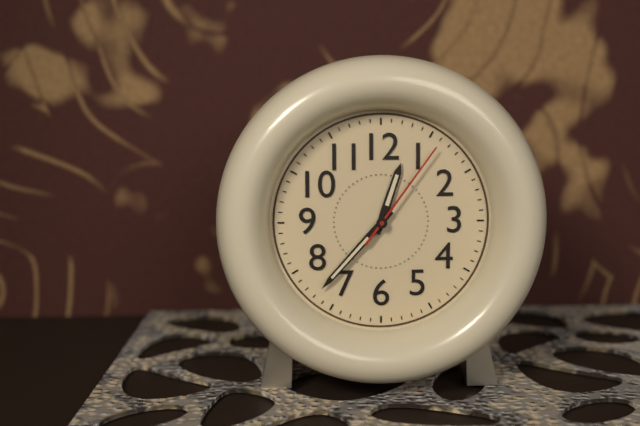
12:37:06
